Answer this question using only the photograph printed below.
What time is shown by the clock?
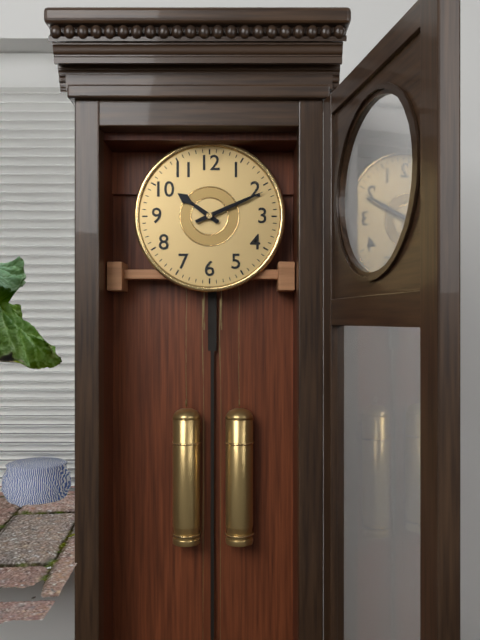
10:11
